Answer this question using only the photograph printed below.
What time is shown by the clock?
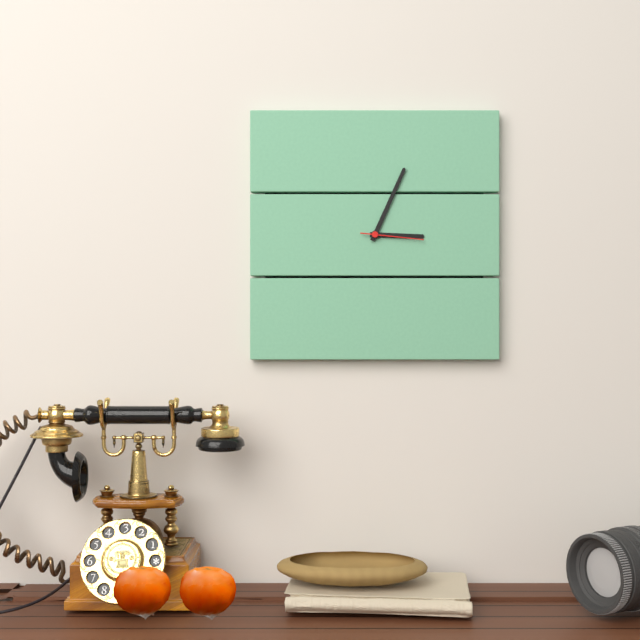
3:04:16
